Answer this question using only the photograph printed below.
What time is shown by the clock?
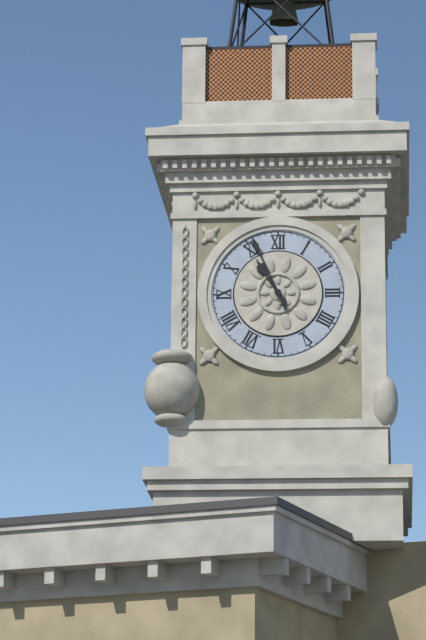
10:56
